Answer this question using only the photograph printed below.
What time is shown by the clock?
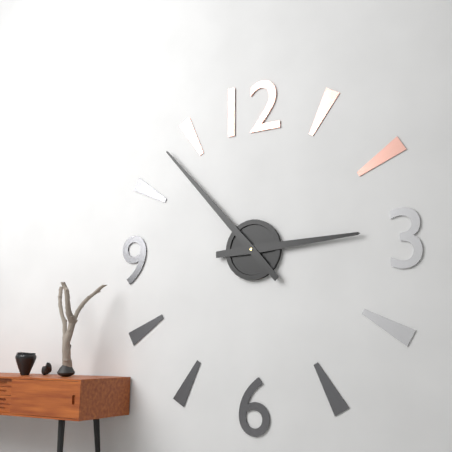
2:53
